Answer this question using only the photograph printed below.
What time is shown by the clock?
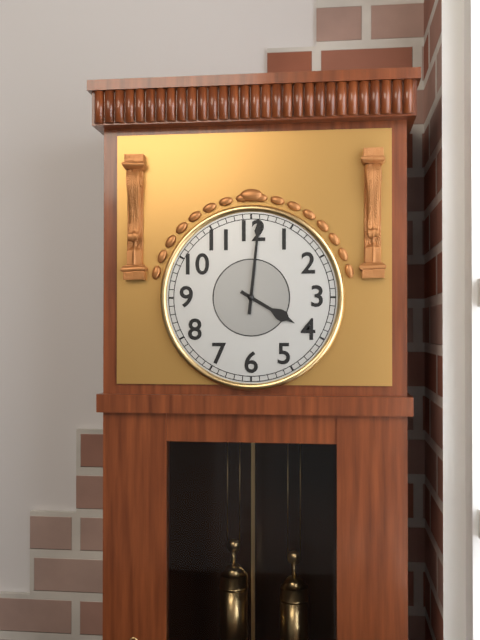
4:01
